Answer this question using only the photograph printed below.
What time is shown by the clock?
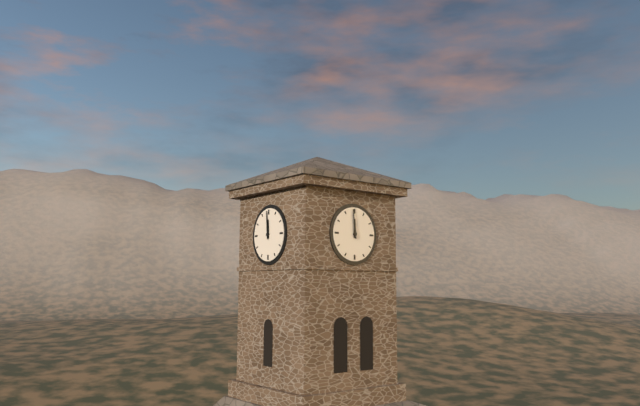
11:59
